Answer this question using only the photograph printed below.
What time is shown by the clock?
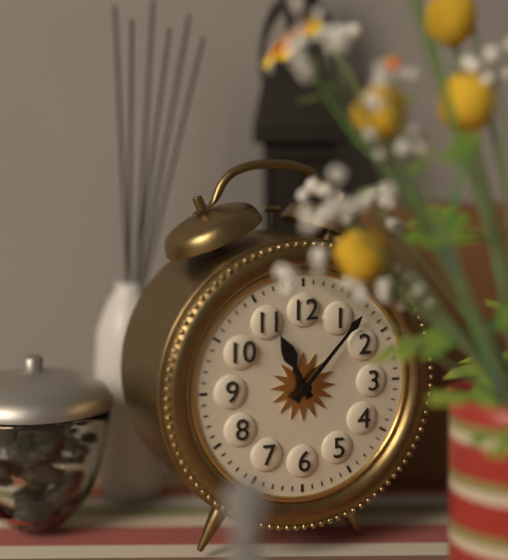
11:07
